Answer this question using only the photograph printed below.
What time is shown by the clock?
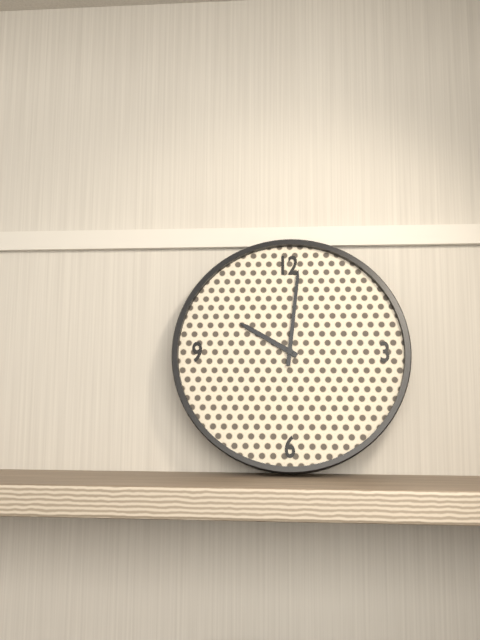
10:01
